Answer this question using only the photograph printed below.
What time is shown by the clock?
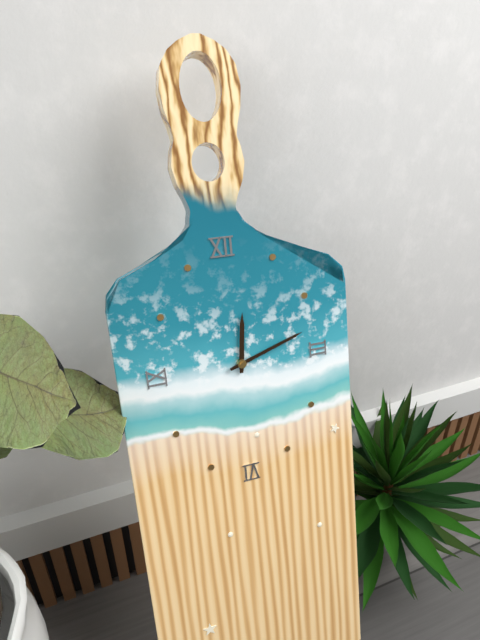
12:12
